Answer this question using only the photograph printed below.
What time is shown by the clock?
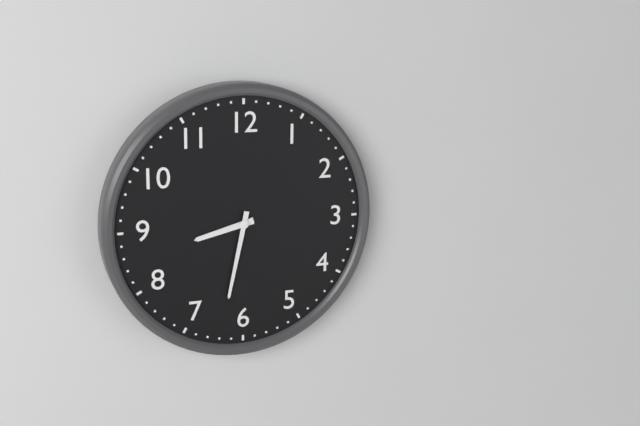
8:32
